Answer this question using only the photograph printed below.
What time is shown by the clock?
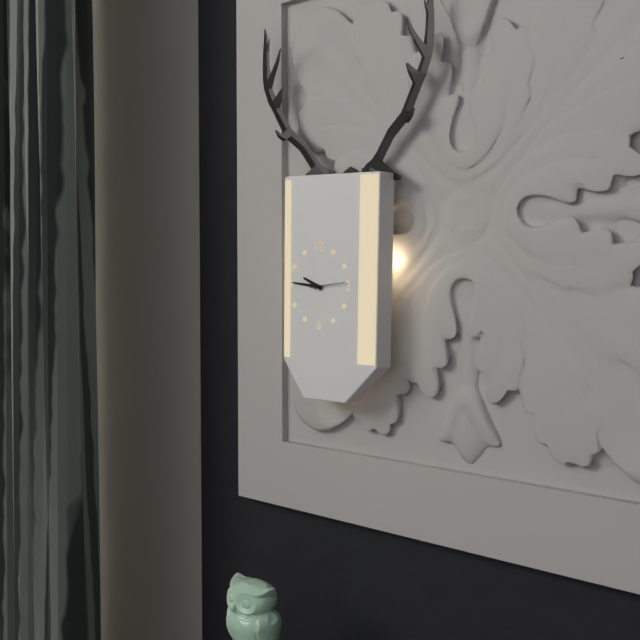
9:46
